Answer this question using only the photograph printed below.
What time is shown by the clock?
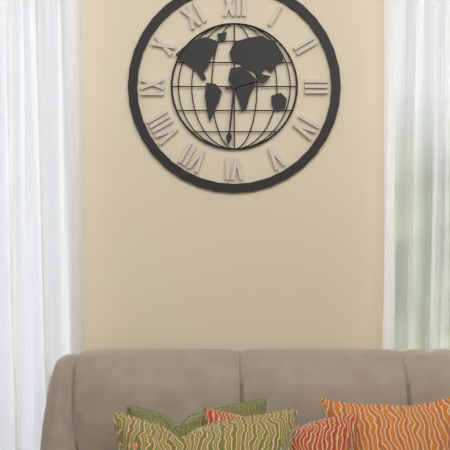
2:31
